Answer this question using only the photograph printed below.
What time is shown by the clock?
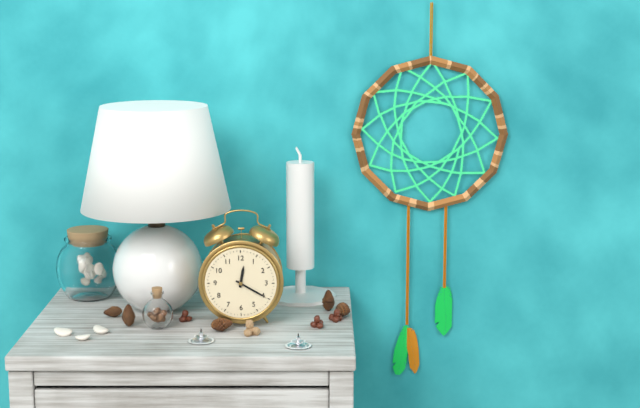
12:20
